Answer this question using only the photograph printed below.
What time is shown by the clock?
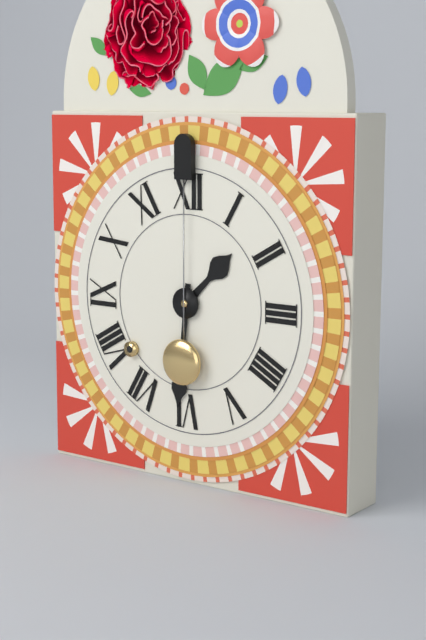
1:31
